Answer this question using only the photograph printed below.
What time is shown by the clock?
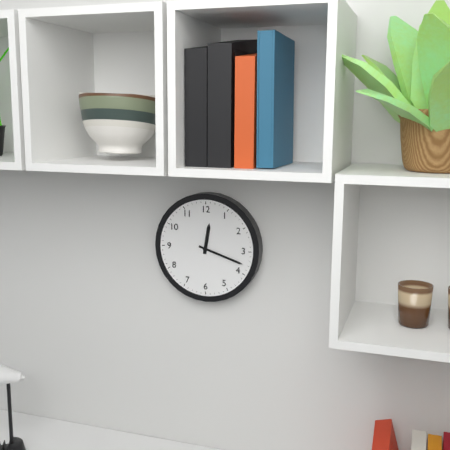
12:18
